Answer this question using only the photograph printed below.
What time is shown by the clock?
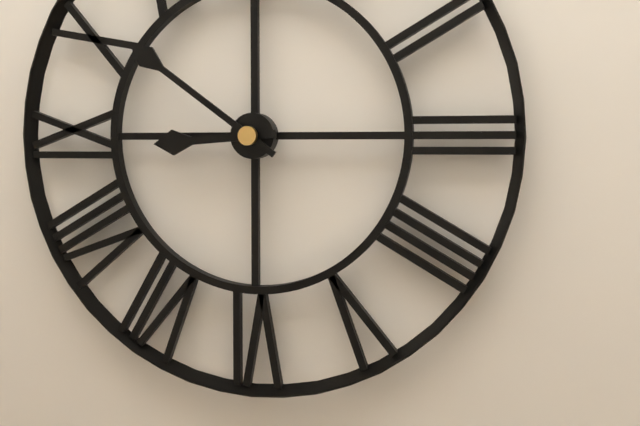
8:51
